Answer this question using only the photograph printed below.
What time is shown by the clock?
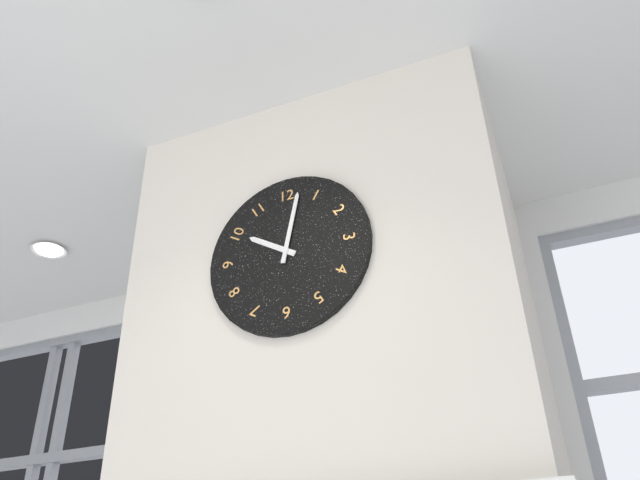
10:02
